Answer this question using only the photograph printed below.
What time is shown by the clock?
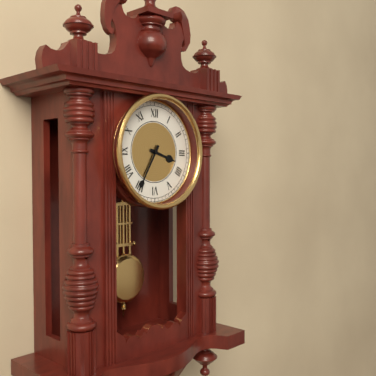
3:35
